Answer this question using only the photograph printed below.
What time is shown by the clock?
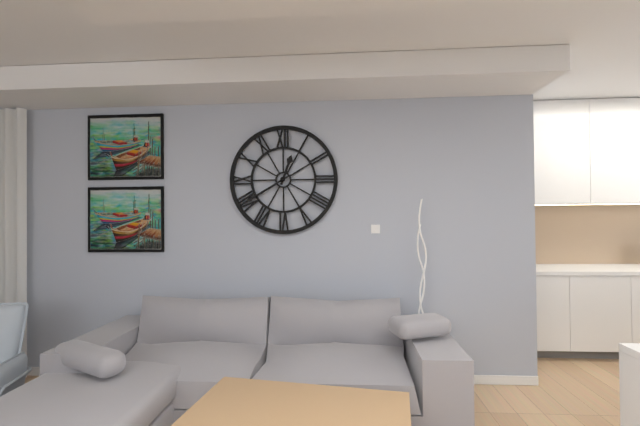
12:40
